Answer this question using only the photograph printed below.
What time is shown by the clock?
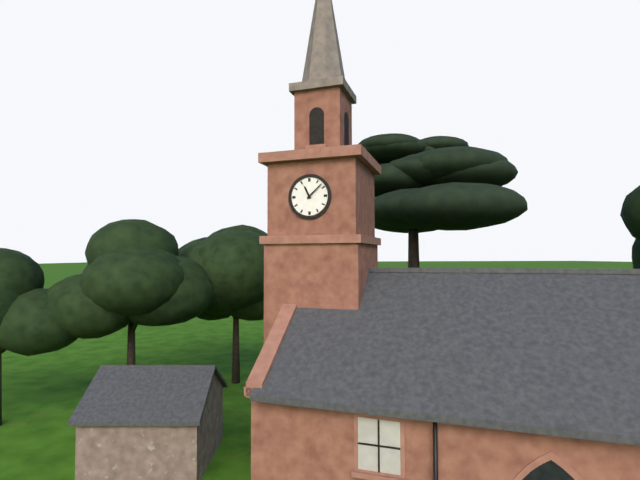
11:08
